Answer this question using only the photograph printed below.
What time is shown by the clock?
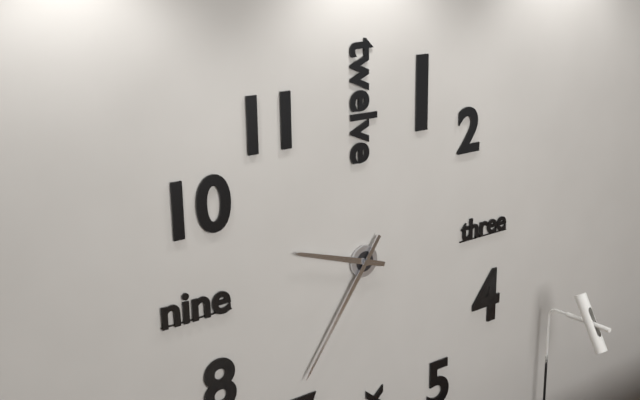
9:36
